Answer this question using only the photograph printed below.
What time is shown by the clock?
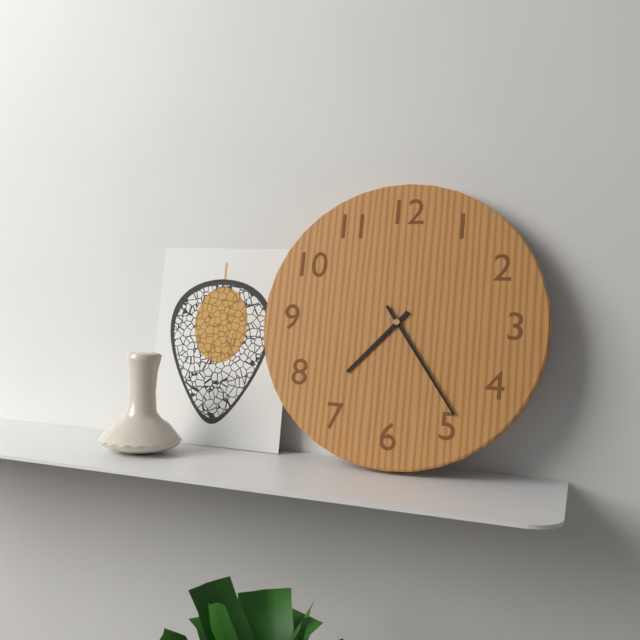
7:24
